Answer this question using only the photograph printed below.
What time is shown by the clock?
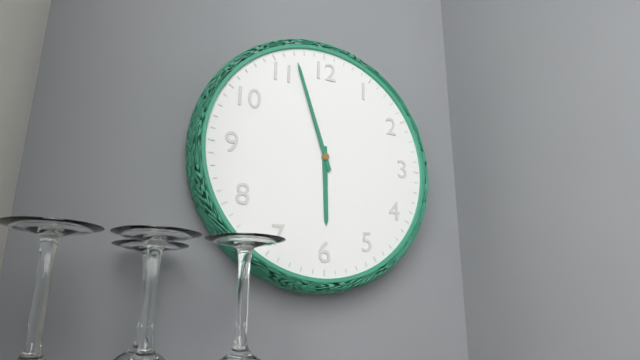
5:57
